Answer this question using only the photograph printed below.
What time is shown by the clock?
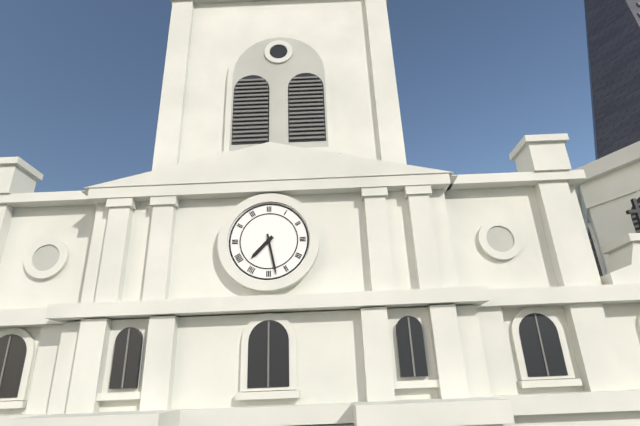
7:28
